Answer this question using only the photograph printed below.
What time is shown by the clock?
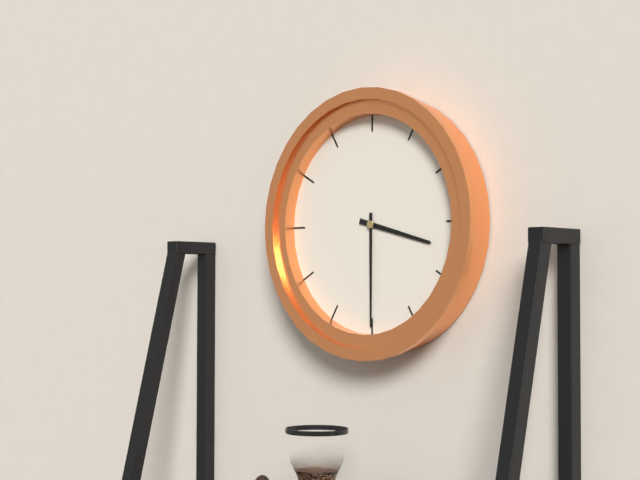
3:30
